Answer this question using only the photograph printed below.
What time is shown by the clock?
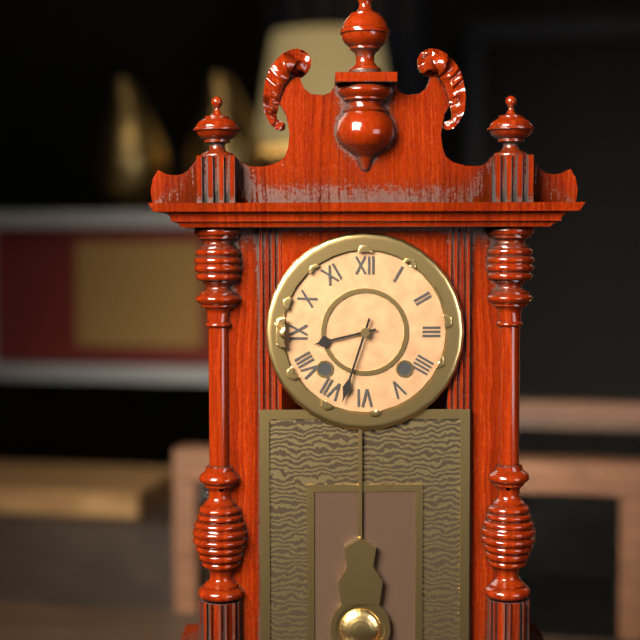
8:33
